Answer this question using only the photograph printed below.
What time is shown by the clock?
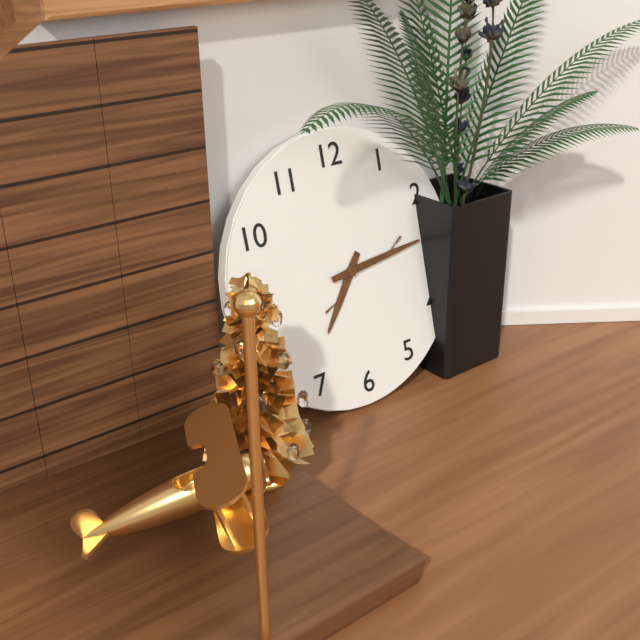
7:14
